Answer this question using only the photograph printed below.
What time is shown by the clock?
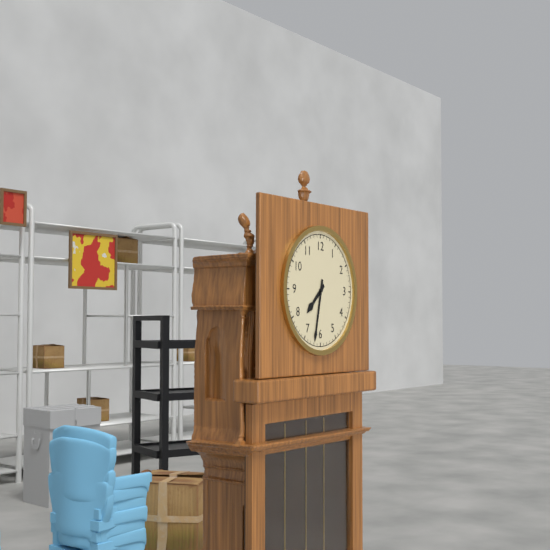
7:32
